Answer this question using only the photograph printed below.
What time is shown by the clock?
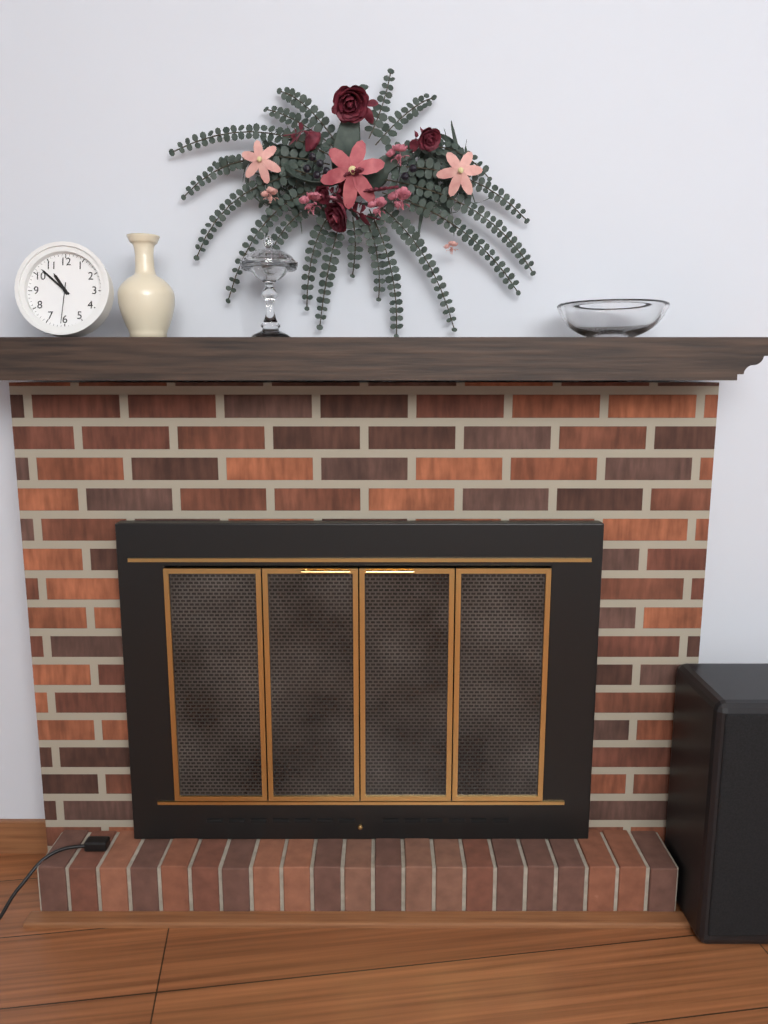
10:52
